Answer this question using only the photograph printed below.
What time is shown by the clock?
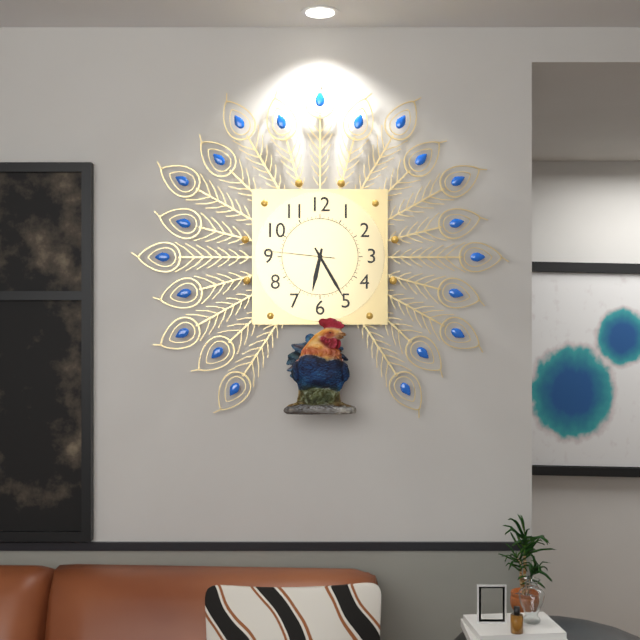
6:25:46
